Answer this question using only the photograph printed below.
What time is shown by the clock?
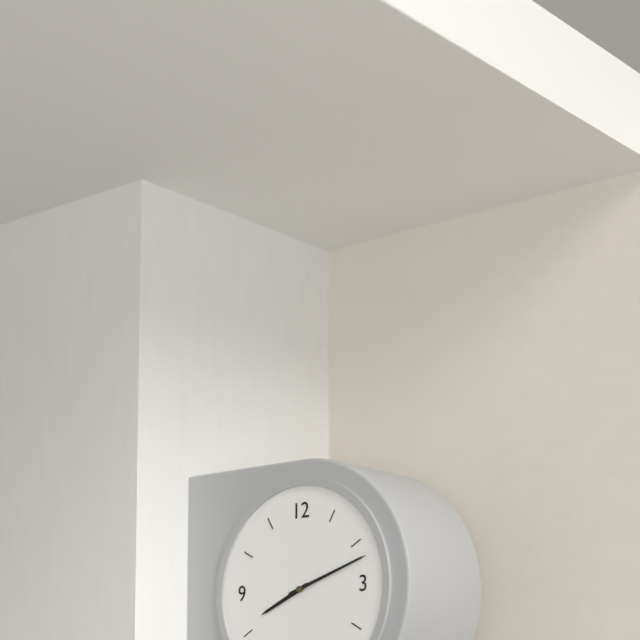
8:12
